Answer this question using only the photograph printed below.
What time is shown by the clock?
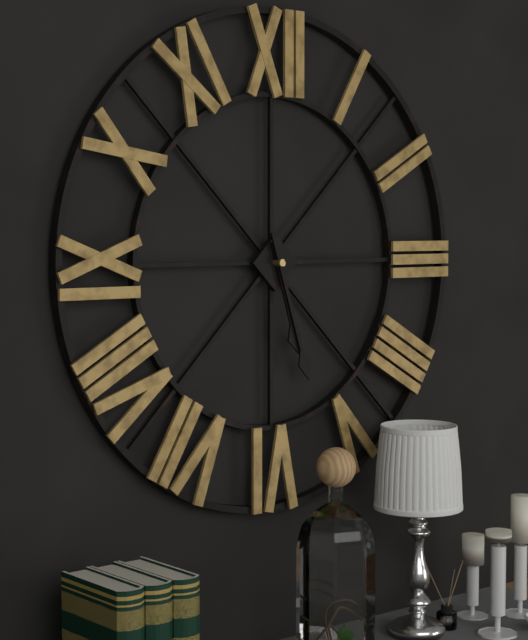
5:27
